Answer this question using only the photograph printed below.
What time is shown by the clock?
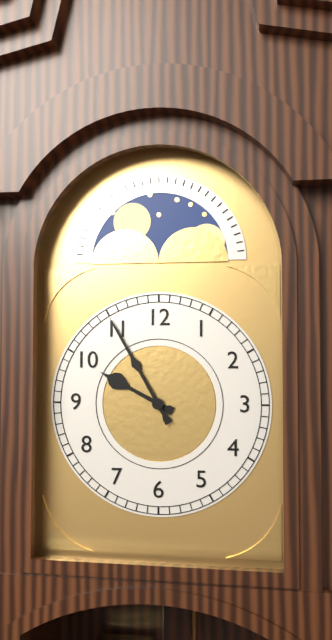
9:55
